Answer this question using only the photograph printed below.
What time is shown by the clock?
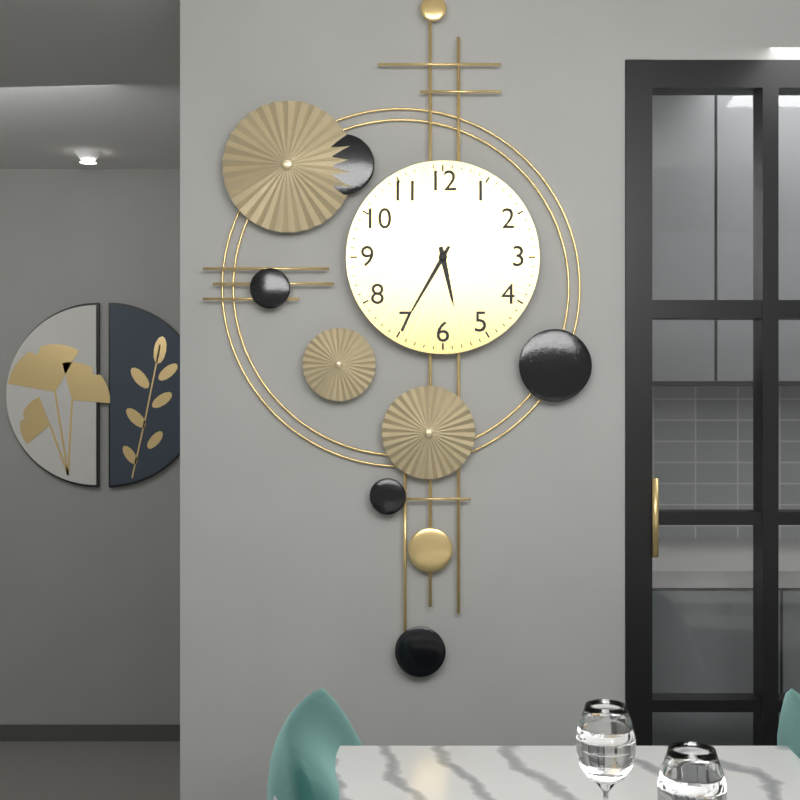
5:35
